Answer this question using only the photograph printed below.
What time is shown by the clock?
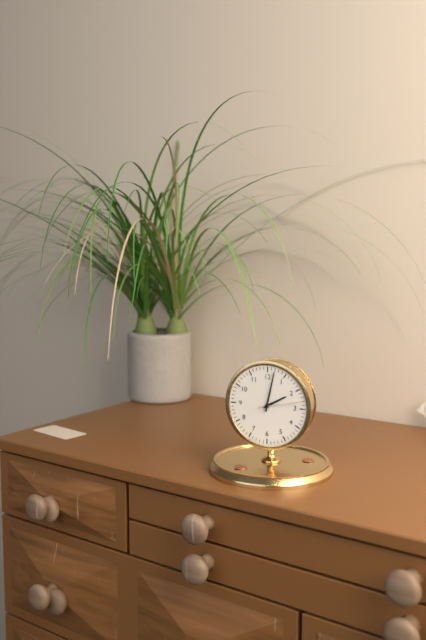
2:02
